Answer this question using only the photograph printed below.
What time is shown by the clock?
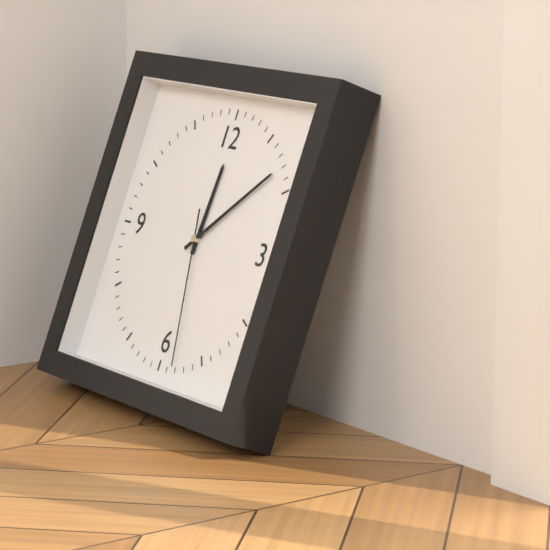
12:08:28
